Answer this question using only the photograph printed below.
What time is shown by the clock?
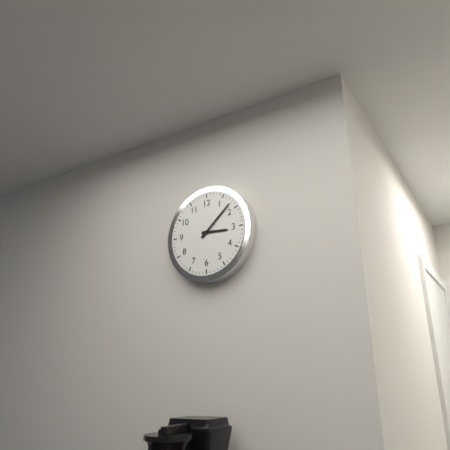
3:08
